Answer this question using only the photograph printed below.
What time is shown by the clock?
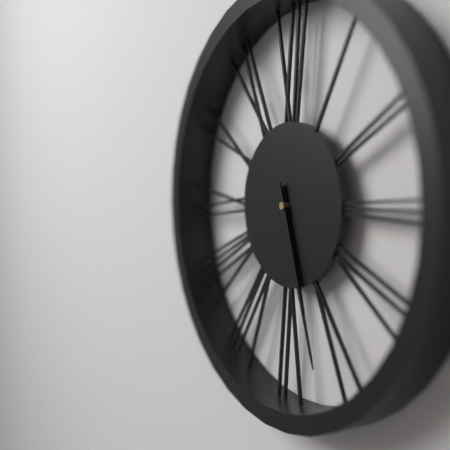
5:27
